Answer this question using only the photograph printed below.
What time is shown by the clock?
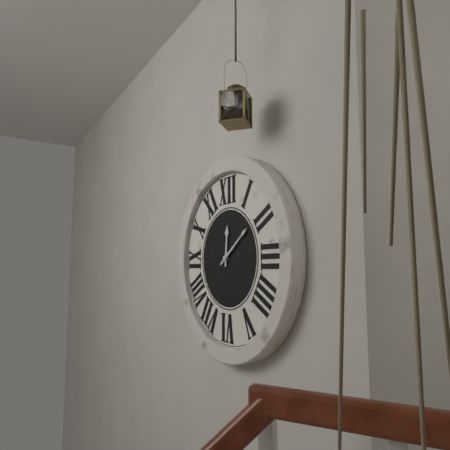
12:09
